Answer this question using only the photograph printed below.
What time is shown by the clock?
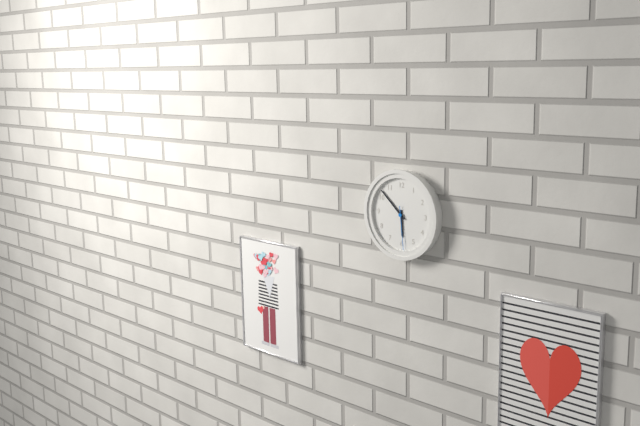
5:52
